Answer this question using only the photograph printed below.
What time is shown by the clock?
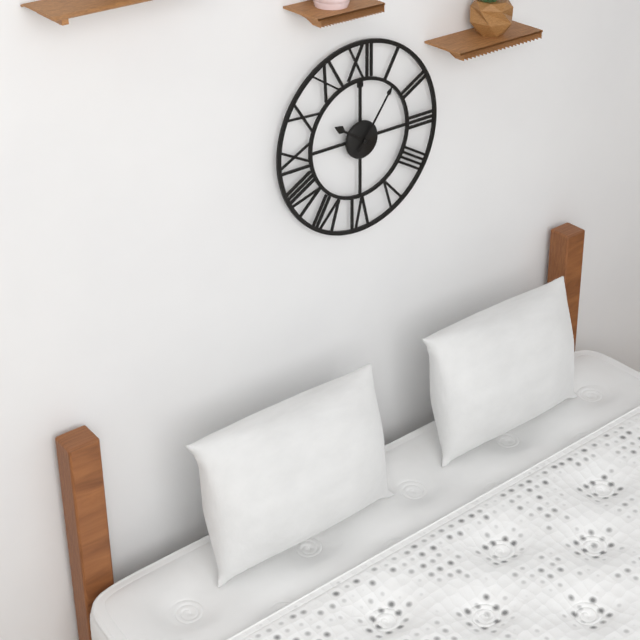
10:06
